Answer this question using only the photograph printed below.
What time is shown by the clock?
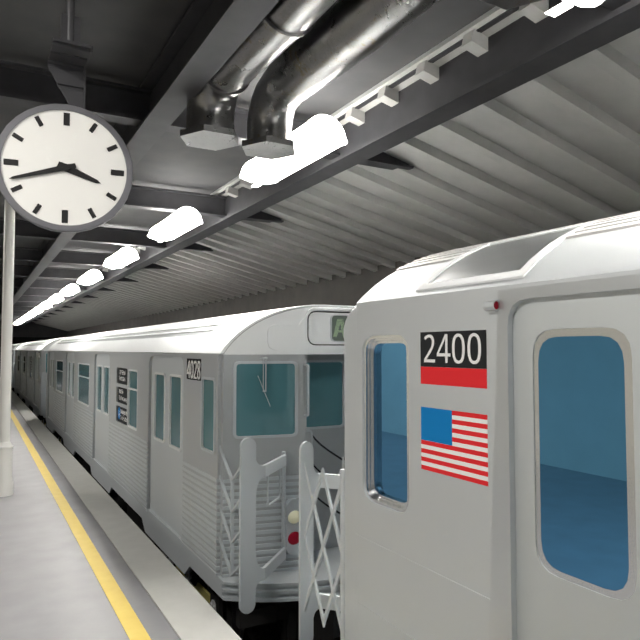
3:42
